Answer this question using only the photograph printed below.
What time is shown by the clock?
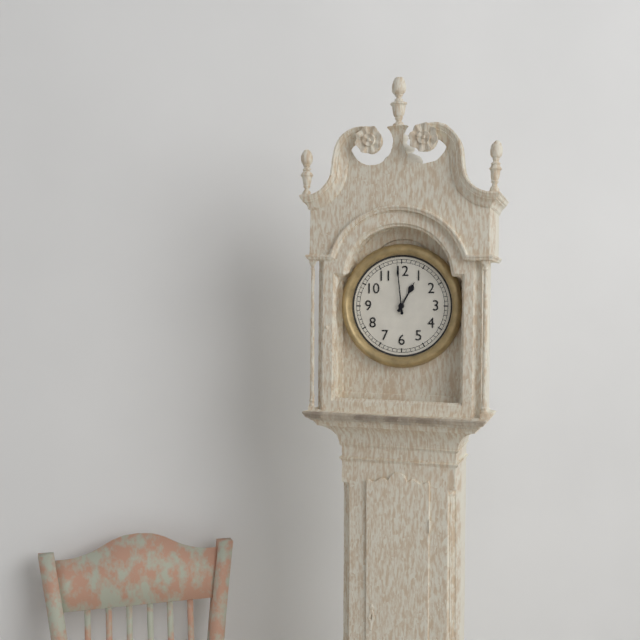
12:59
